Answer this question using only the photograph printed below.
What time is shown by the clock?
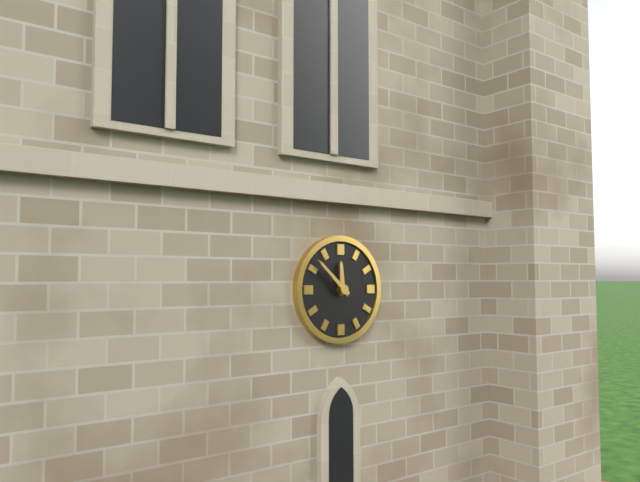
11:52
